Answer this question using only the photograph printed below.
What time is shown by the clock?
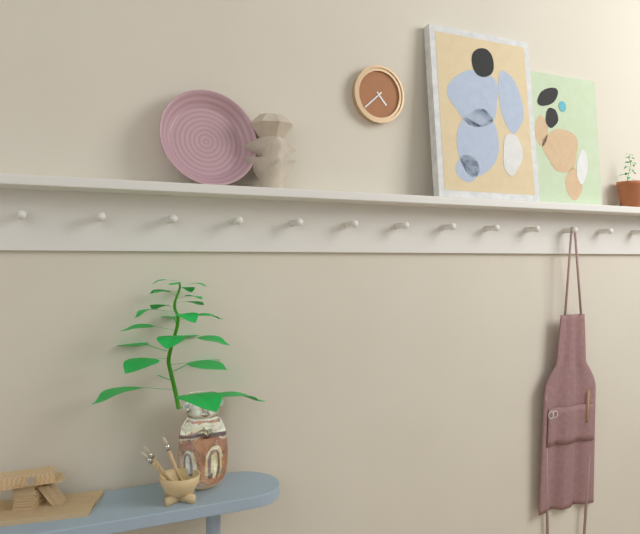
4:38
